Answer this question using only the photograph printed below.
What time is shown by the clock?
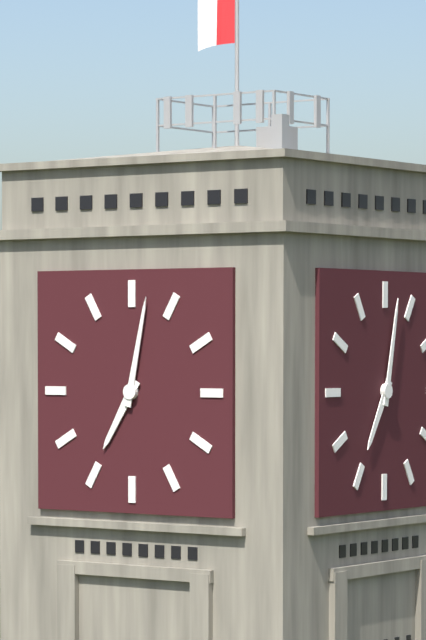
7:02
